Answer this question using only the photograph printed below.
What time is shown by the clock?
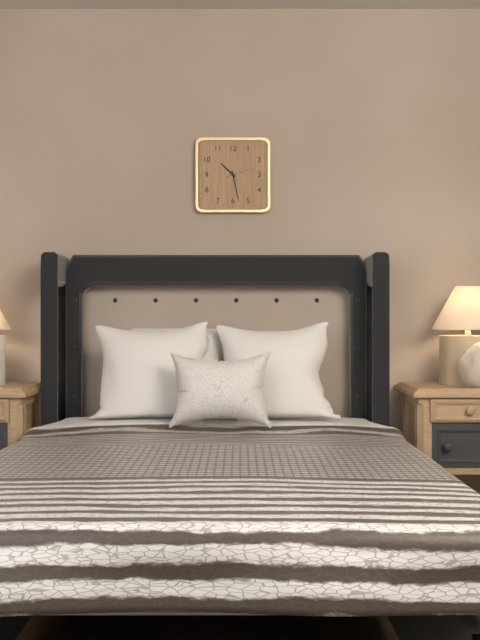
10:28
